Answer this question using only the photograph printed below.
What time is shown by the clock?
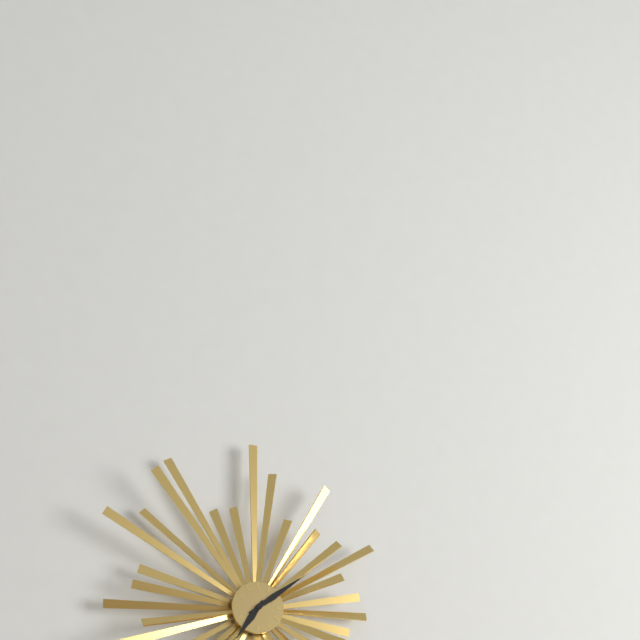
7:09
